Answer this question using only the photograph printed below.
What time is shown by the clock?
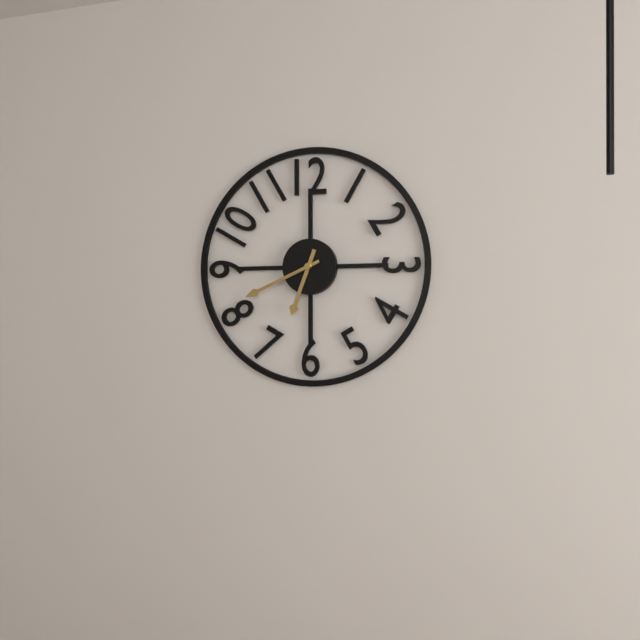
6:41
